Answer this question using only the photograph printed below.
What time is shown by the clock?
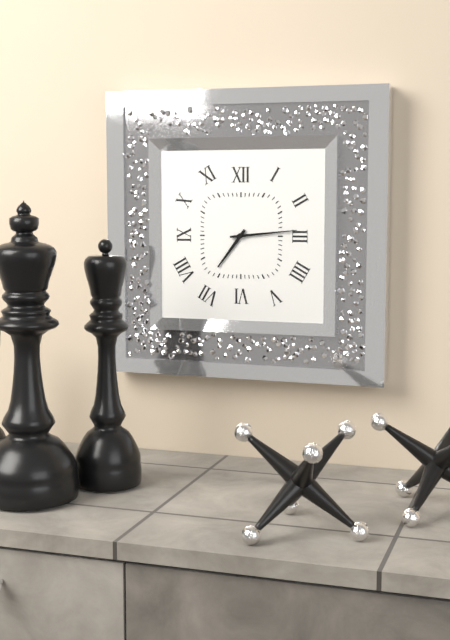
7:14
